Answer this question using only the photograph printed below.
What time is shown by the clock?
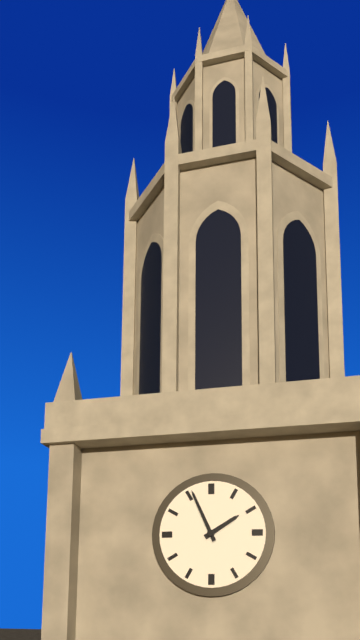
1:56
